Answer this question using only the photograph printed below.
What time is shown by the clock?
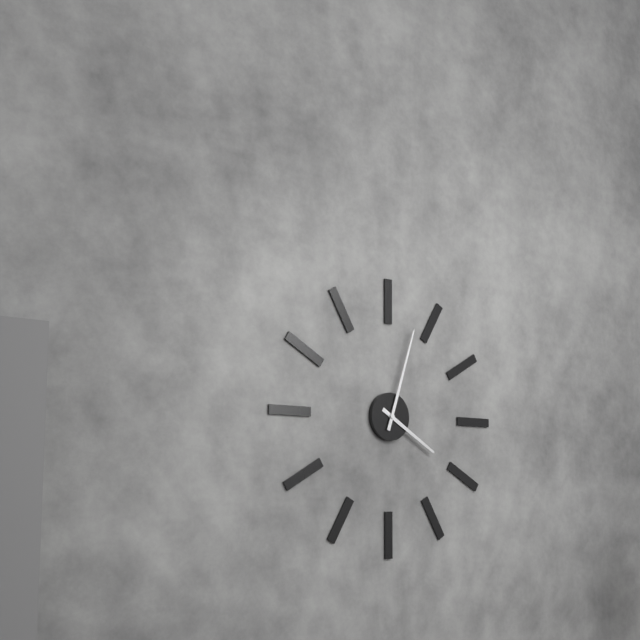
4:03
